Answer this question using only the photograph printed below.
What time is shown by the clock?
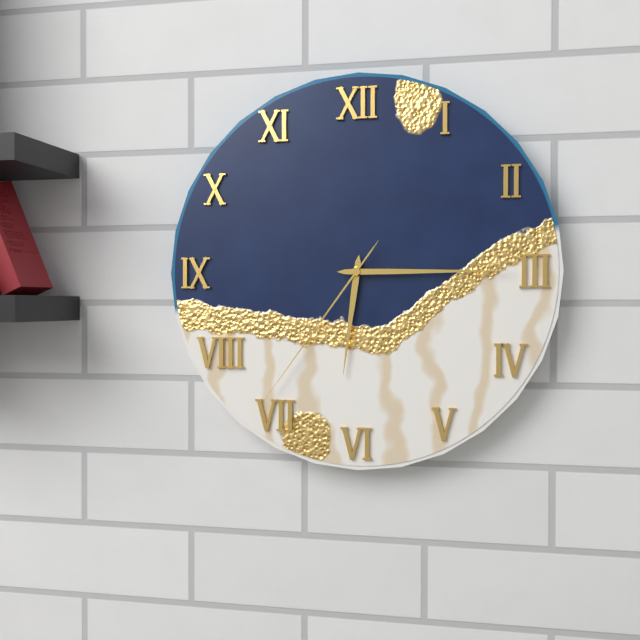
6:15:36
